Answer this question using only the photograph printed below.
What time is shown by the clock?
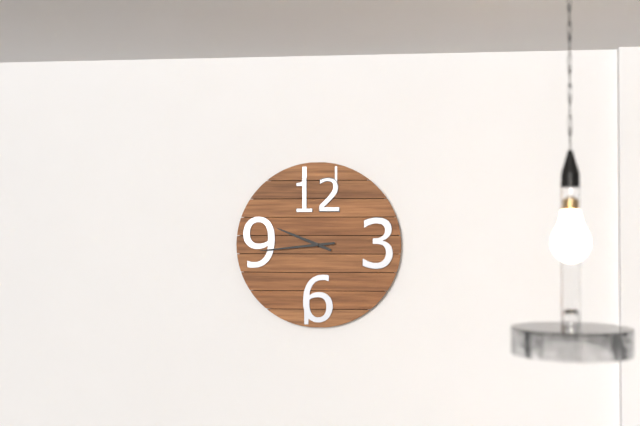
9:44
